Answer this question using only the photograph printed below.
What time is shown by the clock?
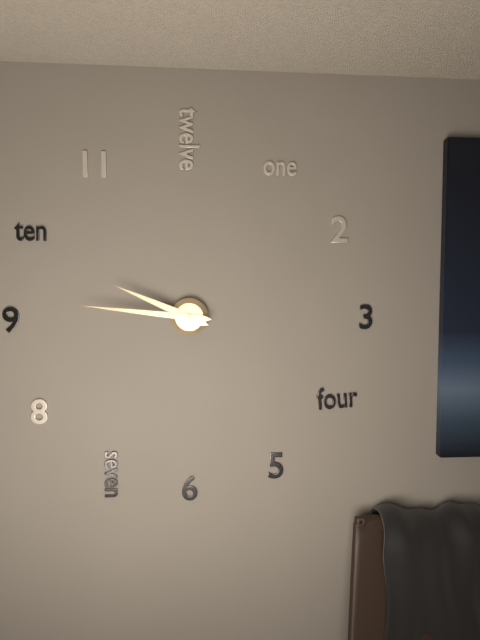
9:46
